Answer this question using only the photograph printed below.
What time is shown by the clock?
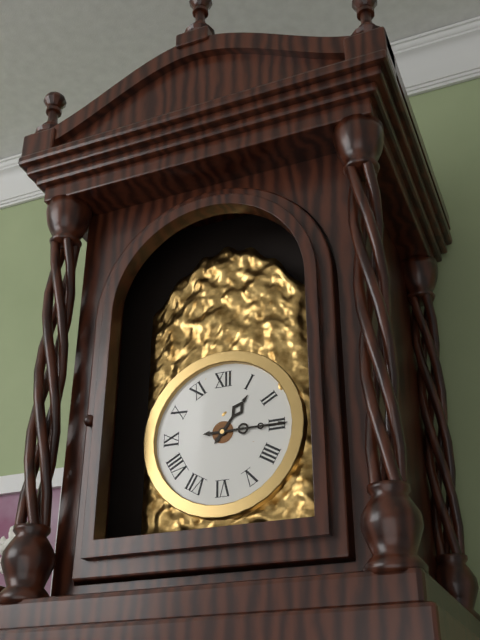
1:15
